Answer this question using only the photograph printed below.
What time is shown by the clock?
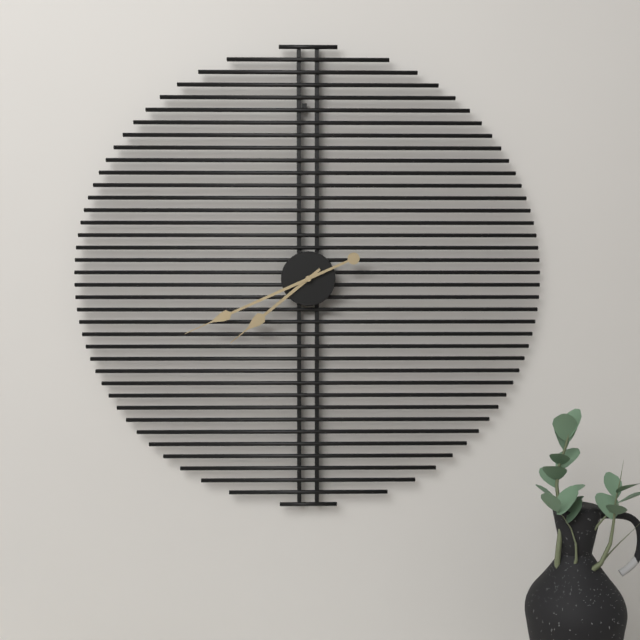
7:41
